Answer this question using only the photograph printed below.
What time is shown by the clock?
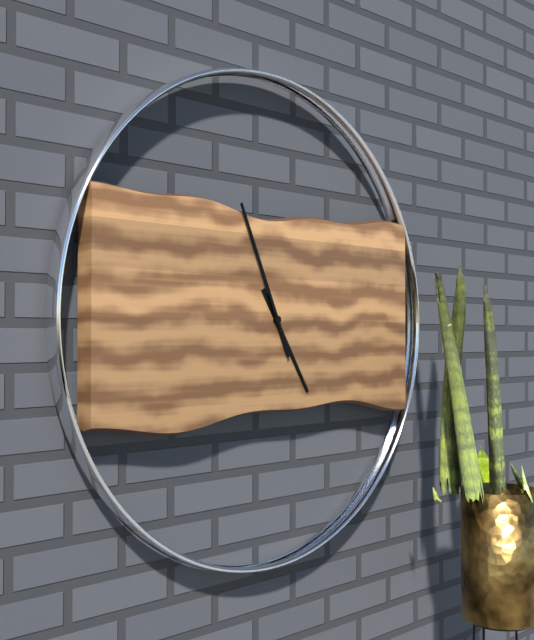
4:56
